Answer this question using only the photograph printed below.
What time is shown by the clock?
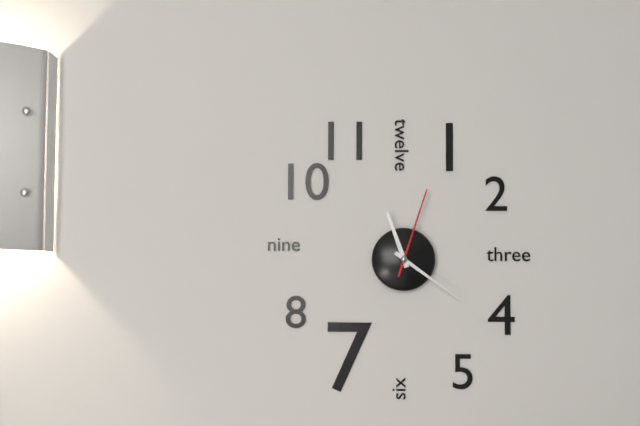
11:21:03
